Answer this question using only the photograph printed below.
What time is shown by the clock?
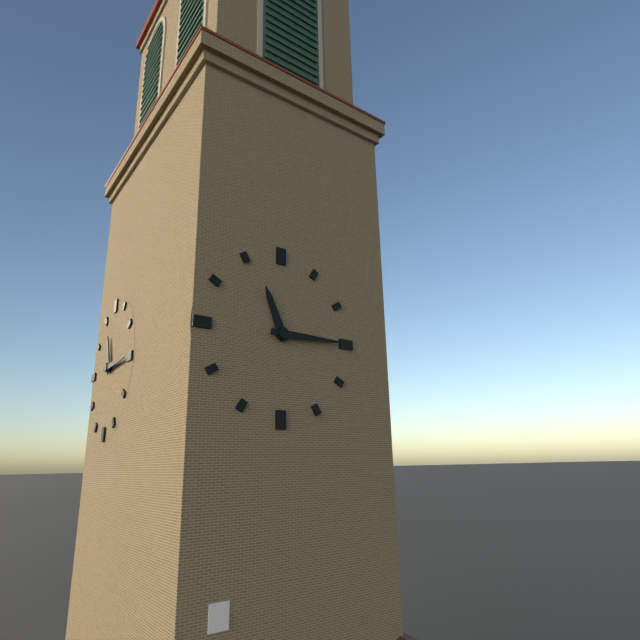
11:15
